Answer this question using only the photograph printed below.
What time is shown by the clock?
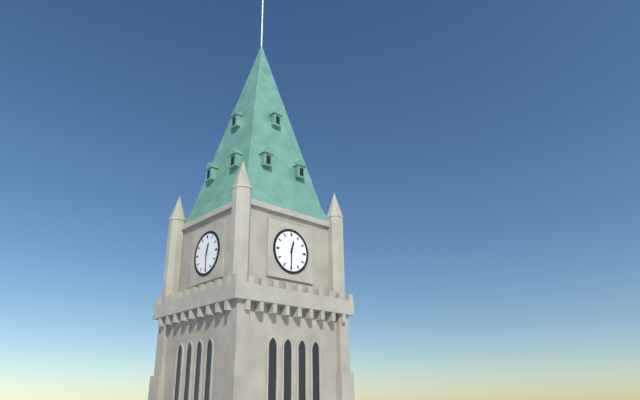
12:30
